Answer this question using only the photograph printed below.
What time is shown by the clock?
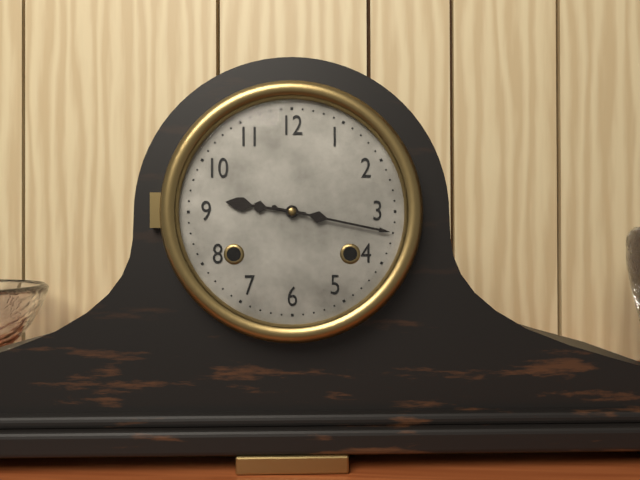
9:17
